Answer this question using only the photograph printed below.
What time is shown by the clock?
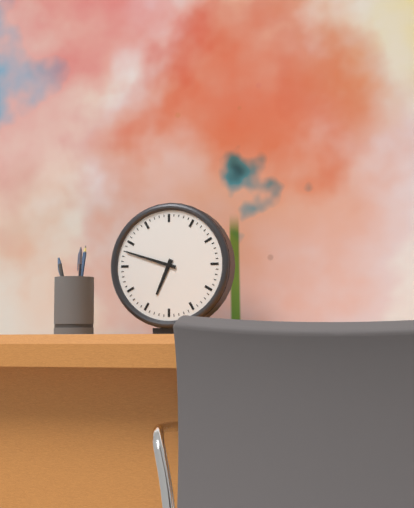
6:48
